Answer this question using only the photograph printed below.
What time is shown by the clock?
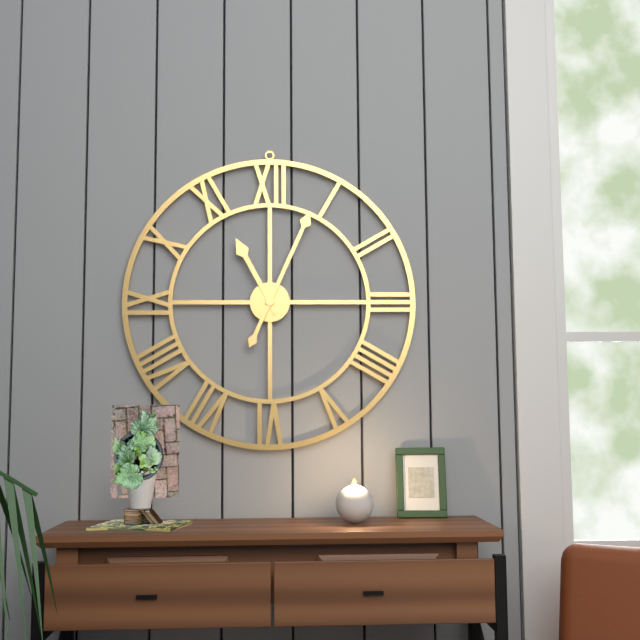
11:04
